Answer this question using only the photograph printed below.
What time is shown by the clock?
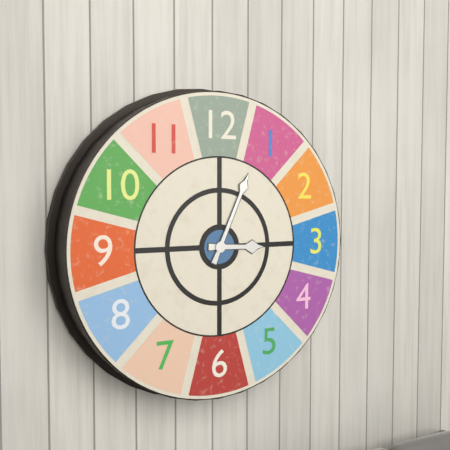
3:04
